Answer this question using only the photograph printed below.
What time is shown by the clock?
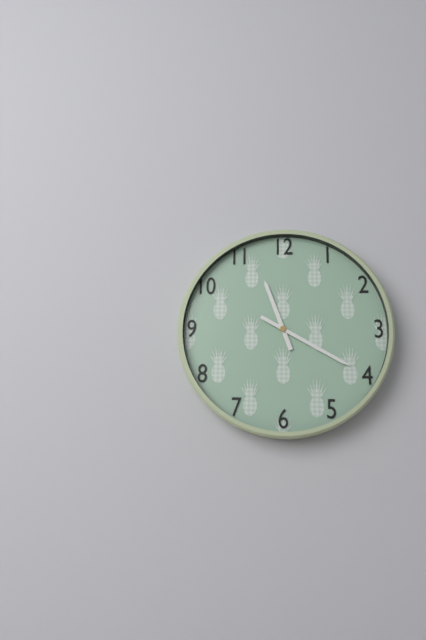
11:20
